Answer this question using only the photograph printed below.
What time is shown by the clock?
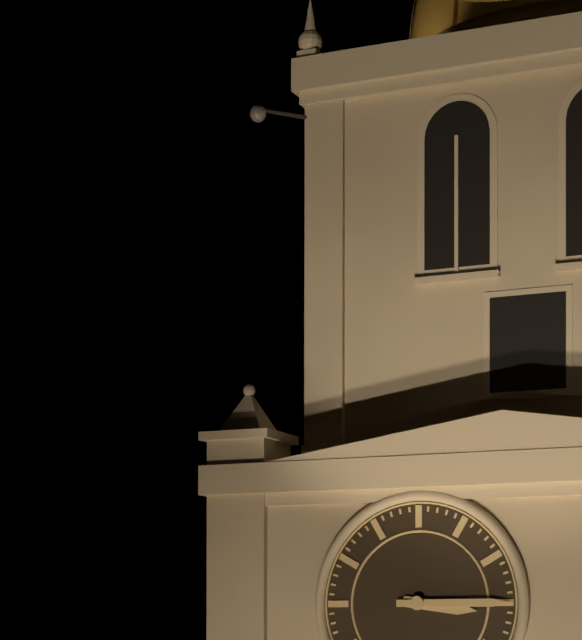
3:15
